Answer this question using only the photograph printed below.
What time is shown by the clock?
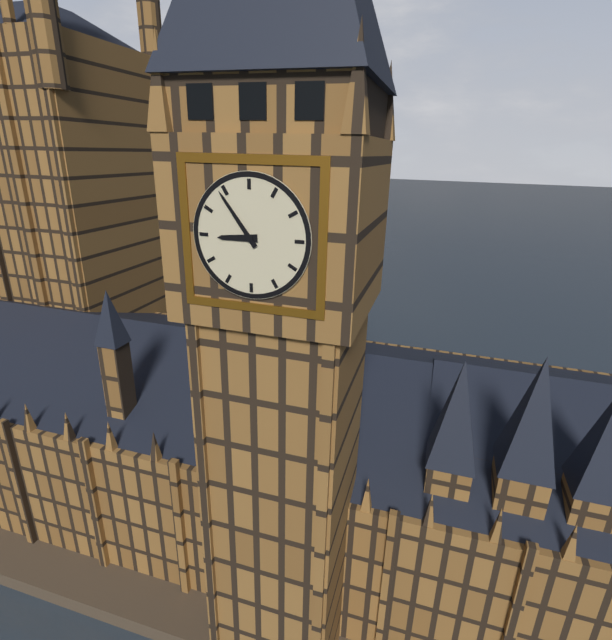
8:54
